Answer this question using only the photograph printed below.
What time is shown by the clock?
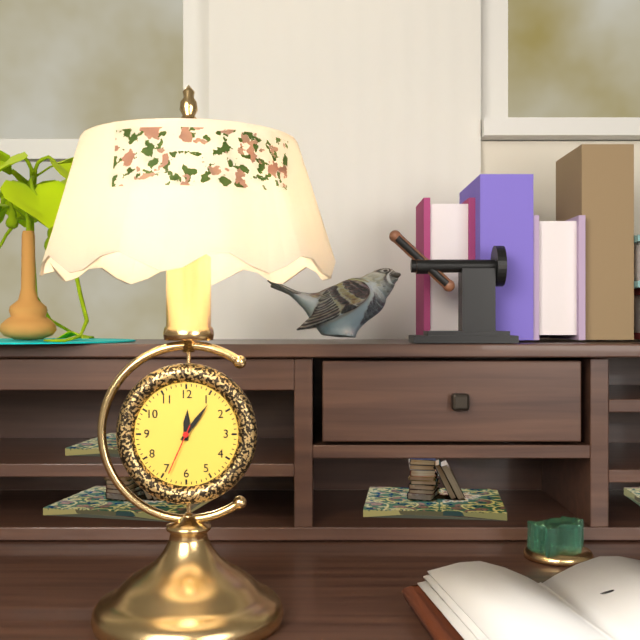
12:06:34
